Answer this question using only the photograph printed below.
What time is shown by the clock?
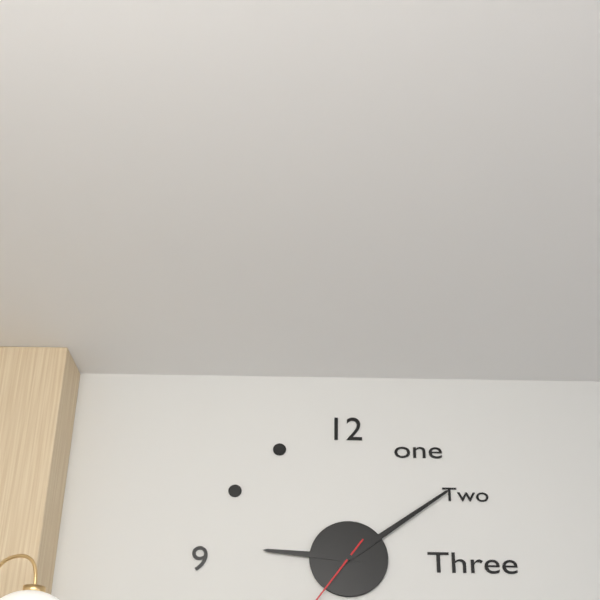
9:09
